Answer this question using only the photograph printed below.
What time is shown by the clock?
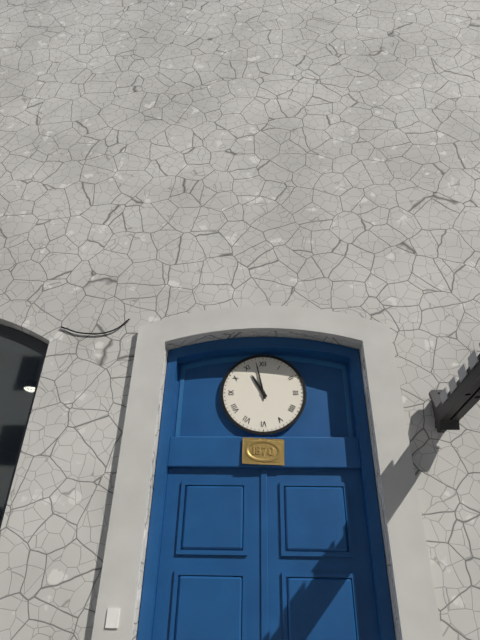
10:58
